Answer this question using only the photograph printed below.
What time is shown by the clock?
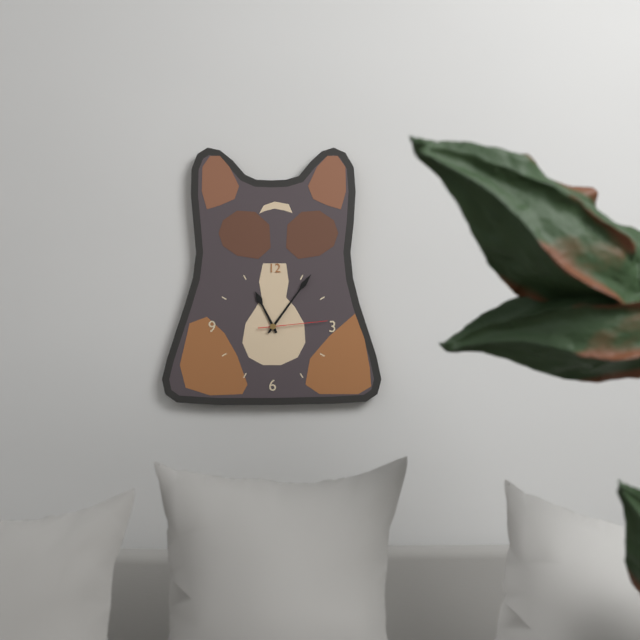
11:06:14
